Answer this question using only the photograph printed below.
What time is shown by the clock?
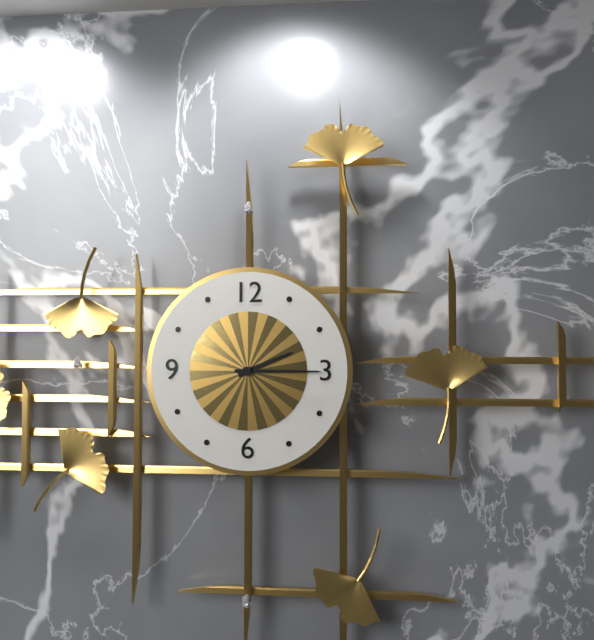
2:15
